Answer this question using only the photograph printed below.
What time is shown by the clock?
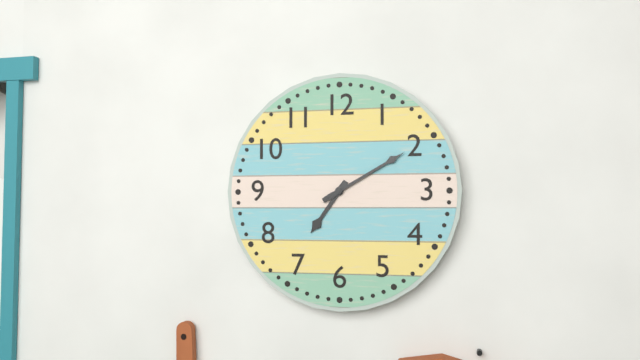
7:10
